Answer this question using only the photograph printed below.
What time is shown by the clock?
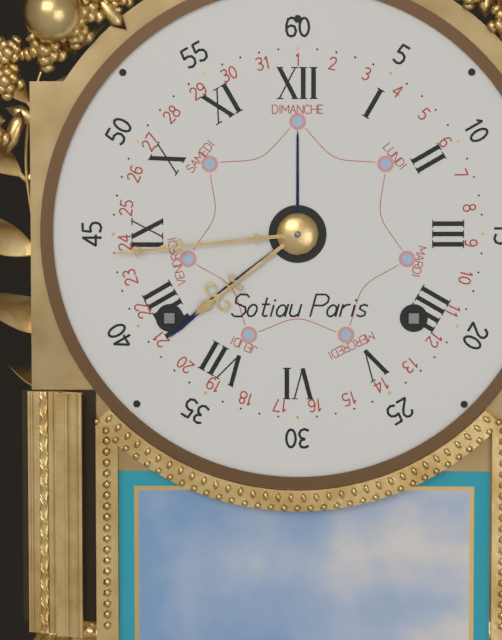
7:44
